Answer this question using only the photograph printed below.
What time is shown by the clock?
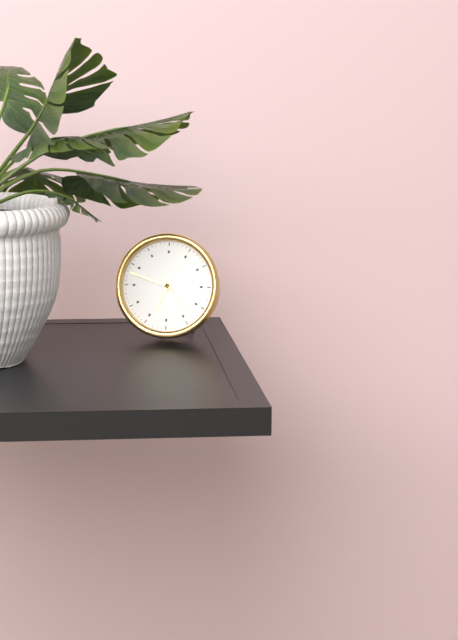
6:48:23
